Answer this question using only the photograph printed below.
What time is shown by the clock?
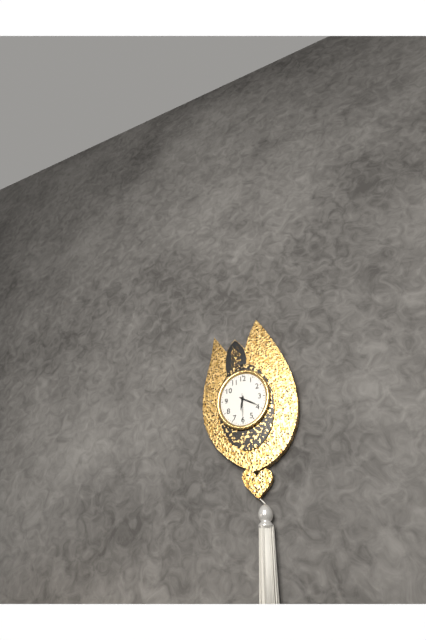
6:20
